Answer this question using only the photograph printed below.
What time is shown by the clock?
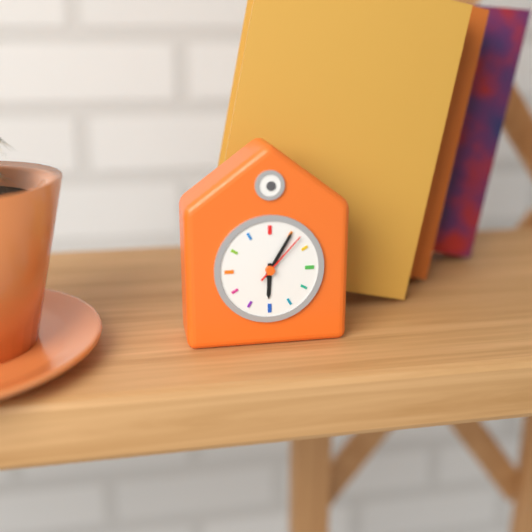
6:05:07
